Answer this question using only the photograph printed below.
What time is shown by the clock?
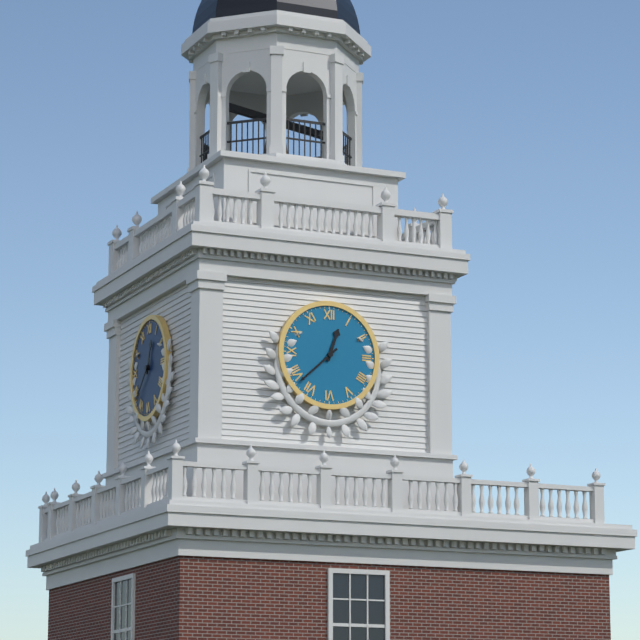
12:38
